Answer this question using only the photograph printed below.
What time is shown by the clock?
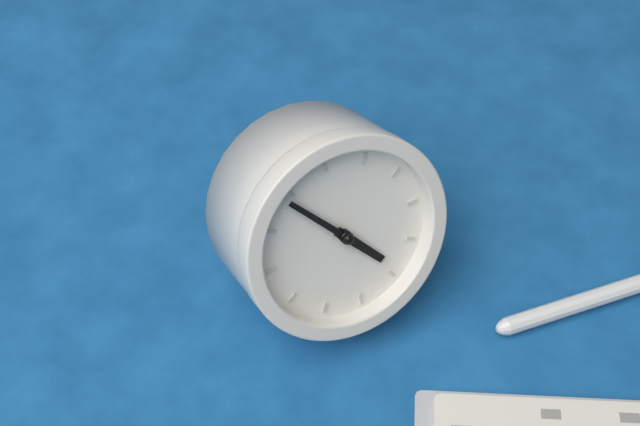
3:49
